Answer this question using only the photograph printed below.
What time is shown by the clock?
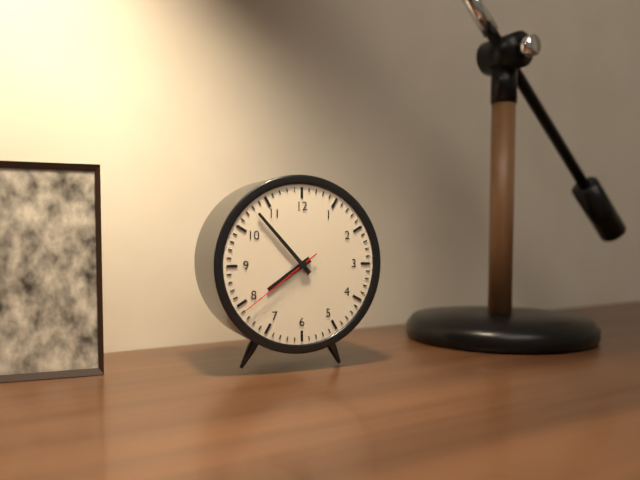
7:53:39
